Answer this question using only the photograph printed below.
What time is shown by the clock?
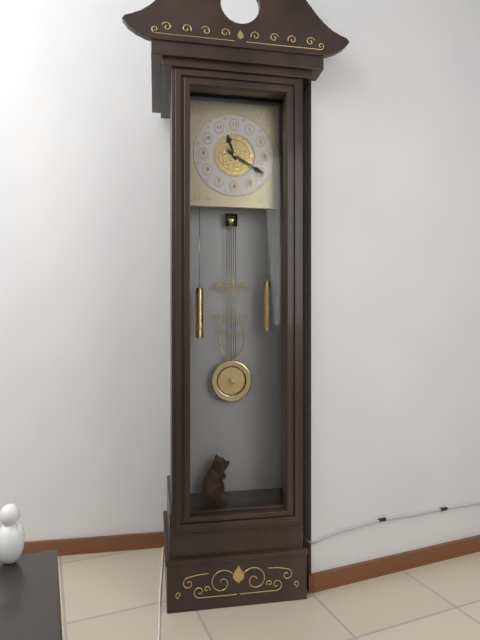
11:20
